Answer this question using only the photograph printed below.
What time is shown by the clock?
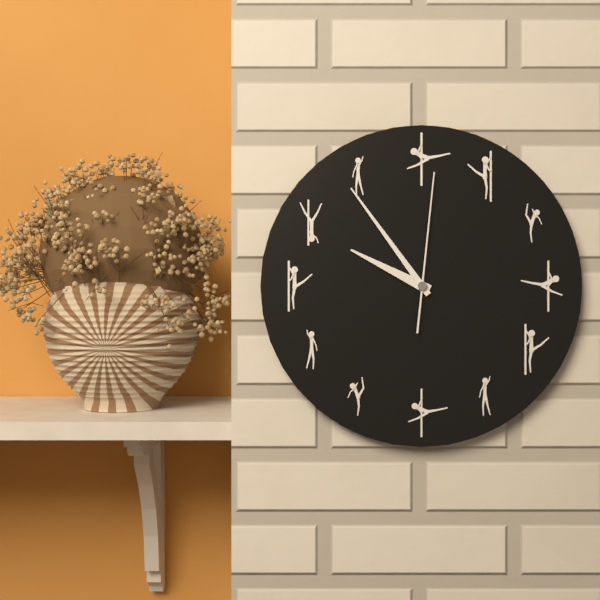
9:54:01
